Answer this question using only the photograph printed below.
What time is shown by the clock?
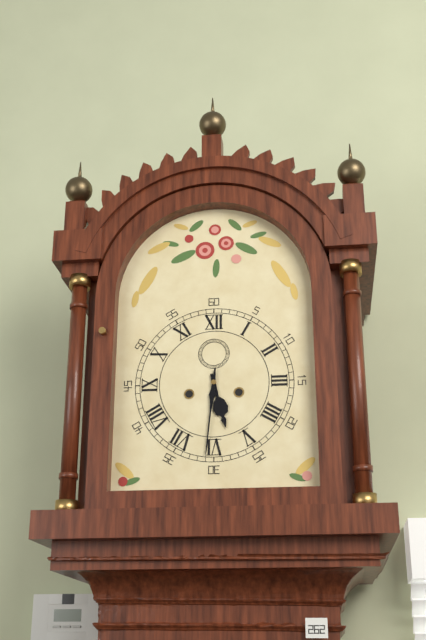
5:31
